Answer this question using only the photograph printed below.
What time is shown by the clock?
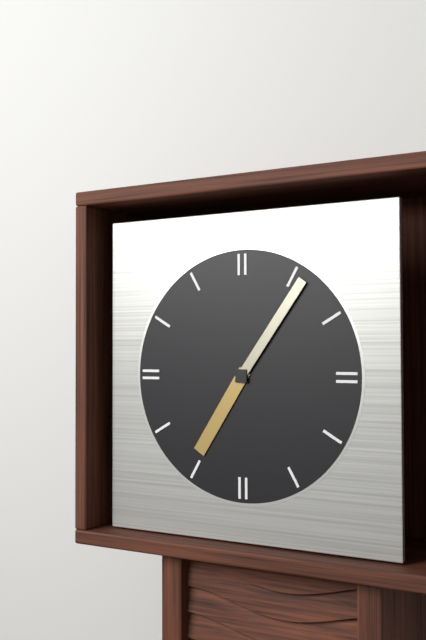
7:06
